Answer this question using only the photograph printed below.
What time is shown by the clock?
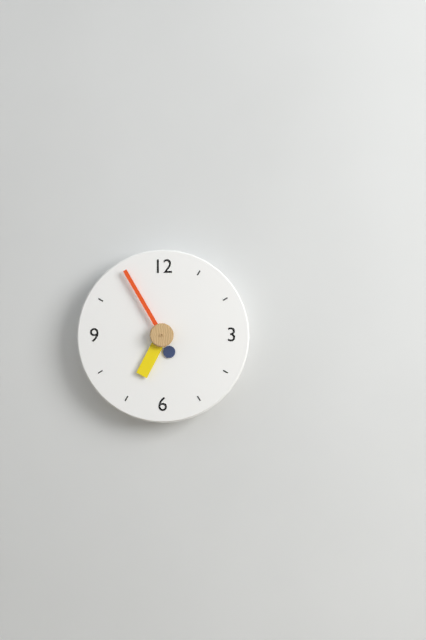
6:55
